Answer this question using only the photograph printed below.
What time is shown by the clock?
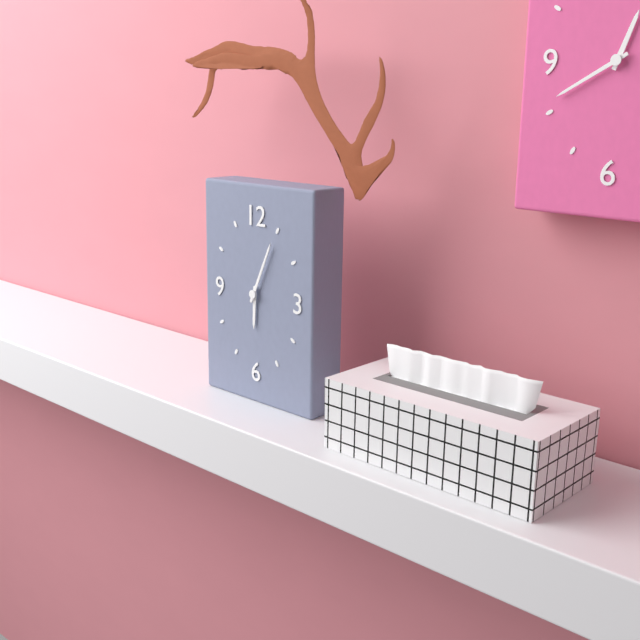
6:04
